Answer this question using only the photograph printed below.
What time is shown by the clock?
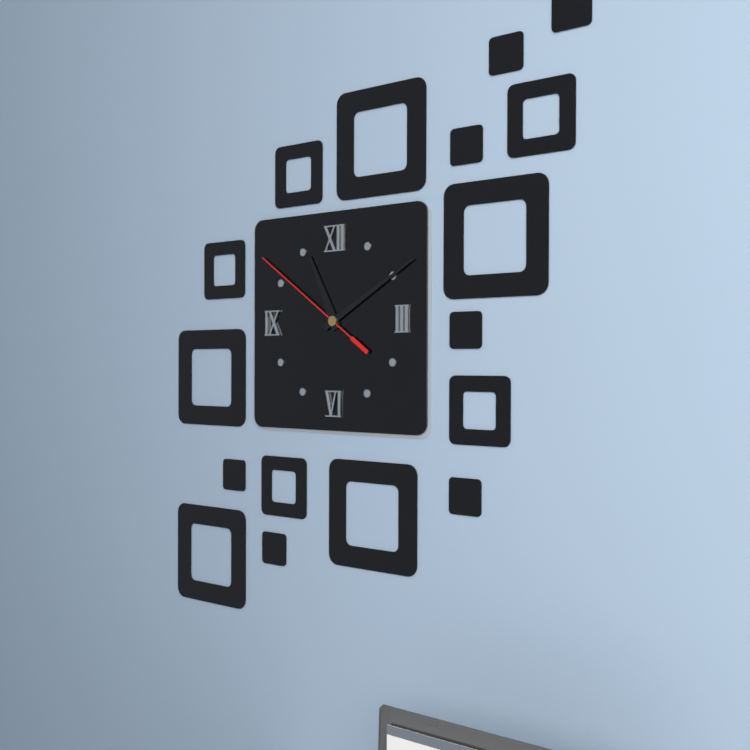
11:10:51
